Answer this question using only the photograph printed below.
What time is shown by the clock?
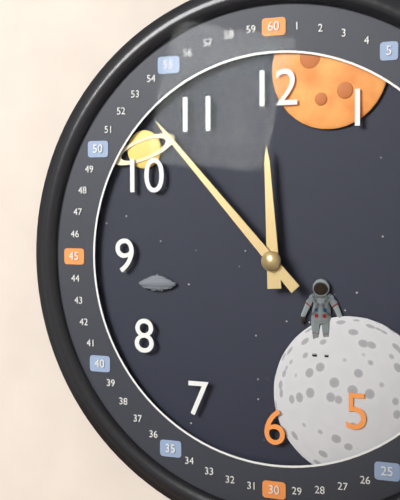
11:53
